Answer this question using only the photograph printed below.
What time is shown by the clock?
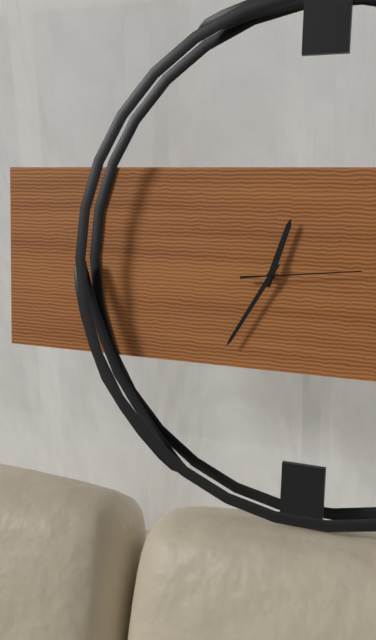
12:35:14
